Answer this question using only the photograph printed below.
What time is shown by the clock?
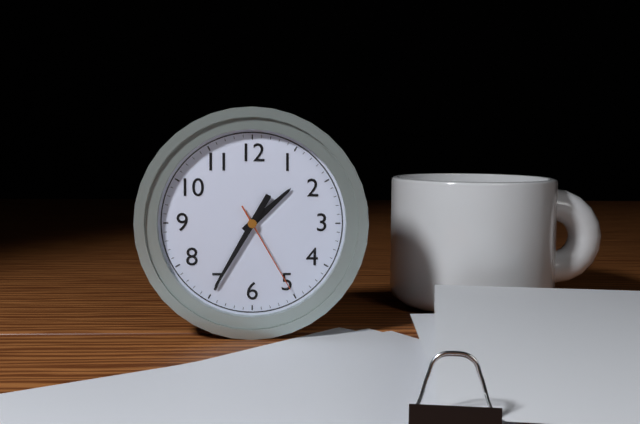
1:35:25
